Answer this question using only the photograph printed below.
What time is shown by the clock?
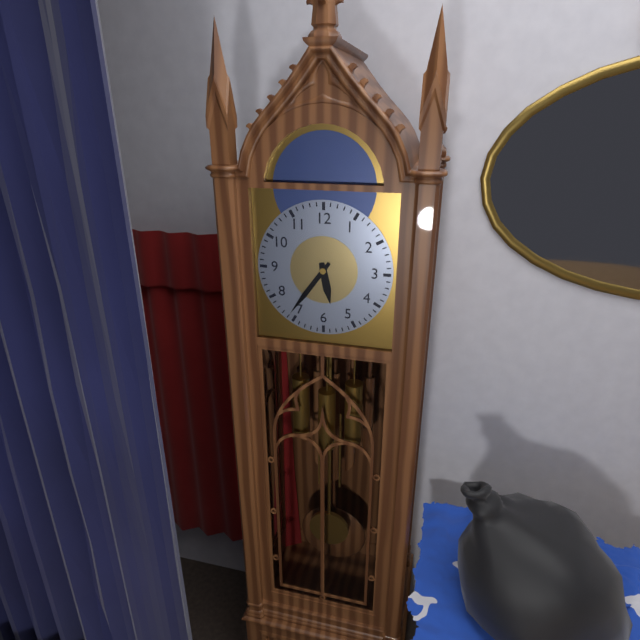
5:36
